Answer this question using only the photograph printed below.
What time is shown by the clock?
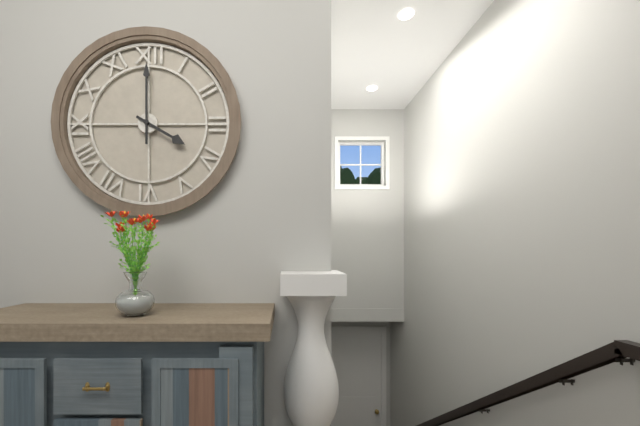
4:00
